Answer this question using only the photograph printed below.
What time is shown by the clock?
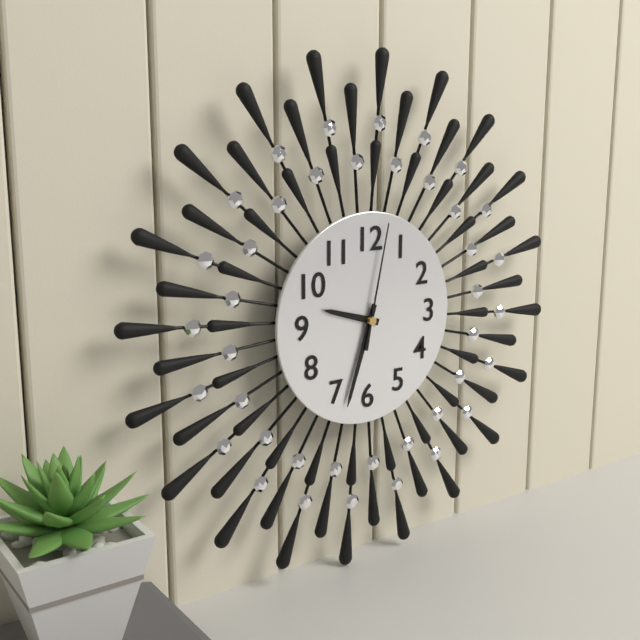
9:33:02
